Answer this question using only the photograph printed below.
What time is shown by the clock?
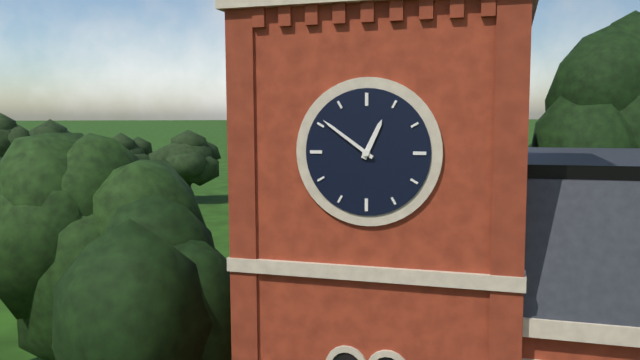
12:51
